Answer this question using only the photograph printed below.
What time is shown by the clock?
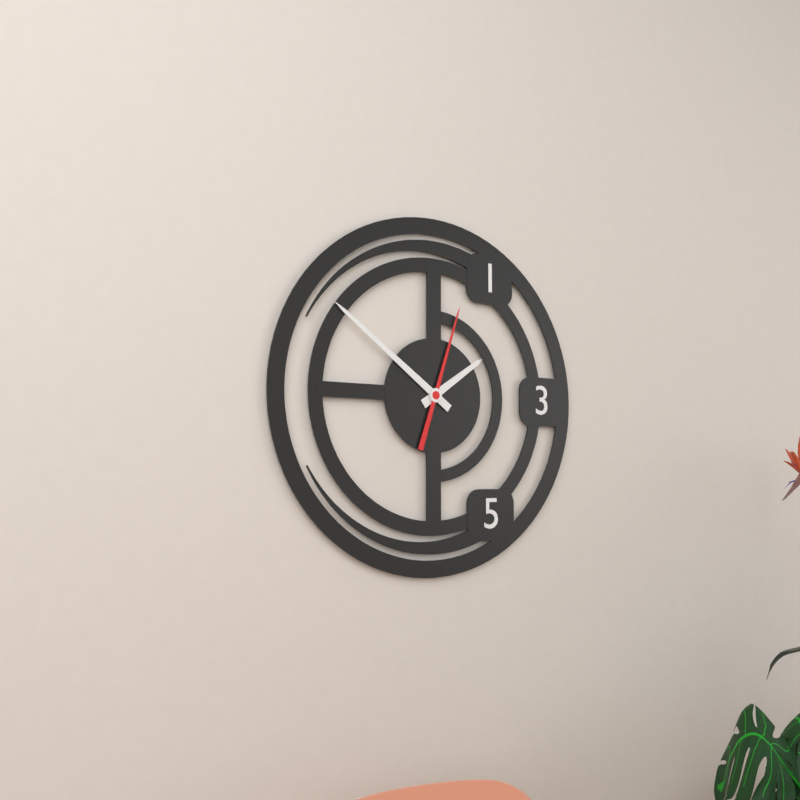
1:51:03
